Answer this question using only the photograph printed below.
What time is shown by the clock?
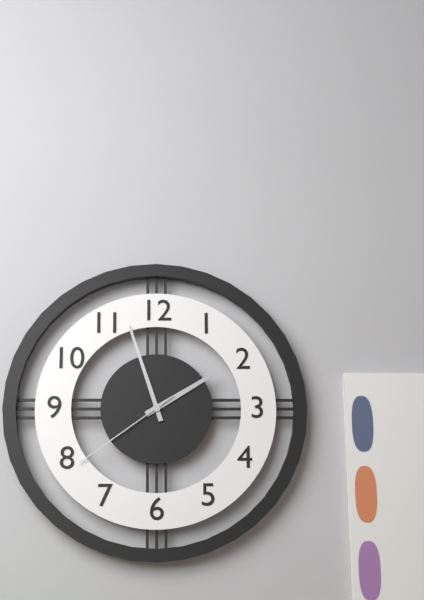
1:57:39
